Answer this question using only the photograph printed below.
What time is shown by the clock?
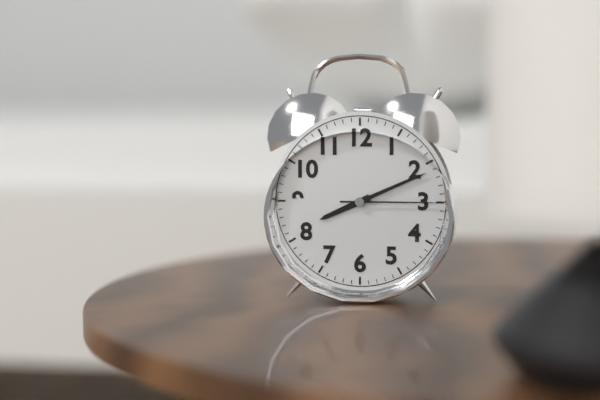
8:11:15
